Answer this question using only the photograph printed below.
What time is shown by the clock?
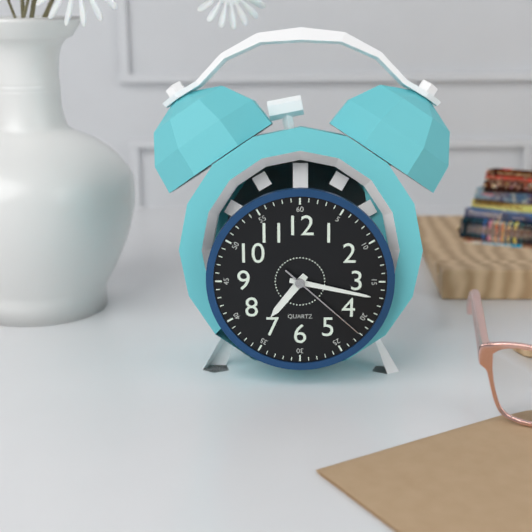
7:17:22
